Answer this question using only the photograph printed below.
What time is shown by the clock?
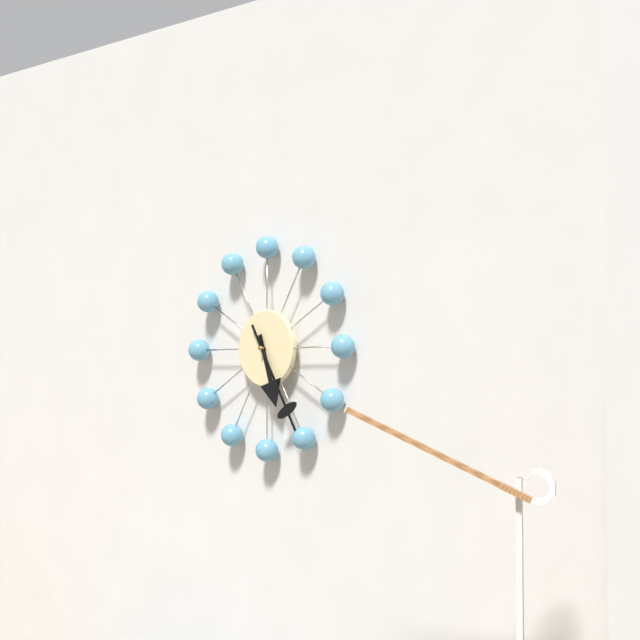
5:25
